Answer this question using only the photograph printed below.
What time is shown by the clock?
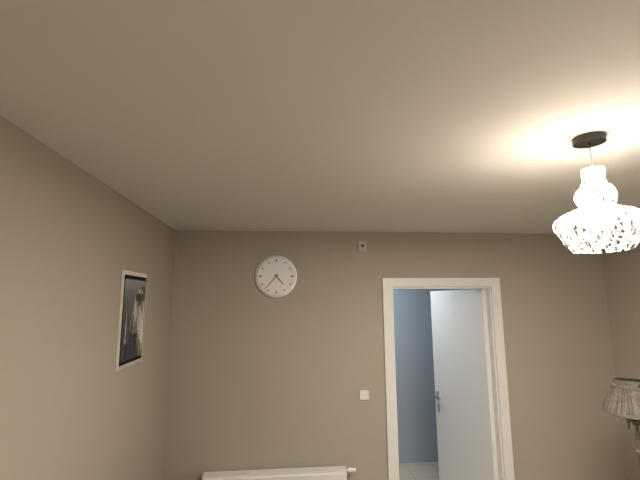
4:37
